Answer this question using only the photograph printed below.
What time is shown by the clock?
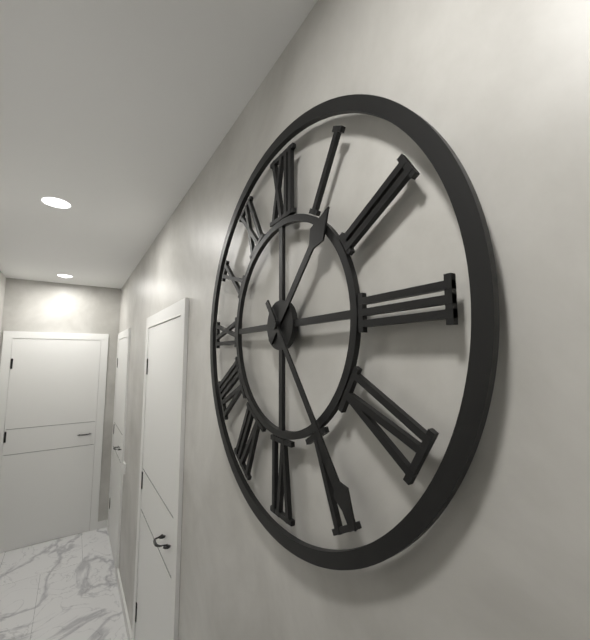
1:24
